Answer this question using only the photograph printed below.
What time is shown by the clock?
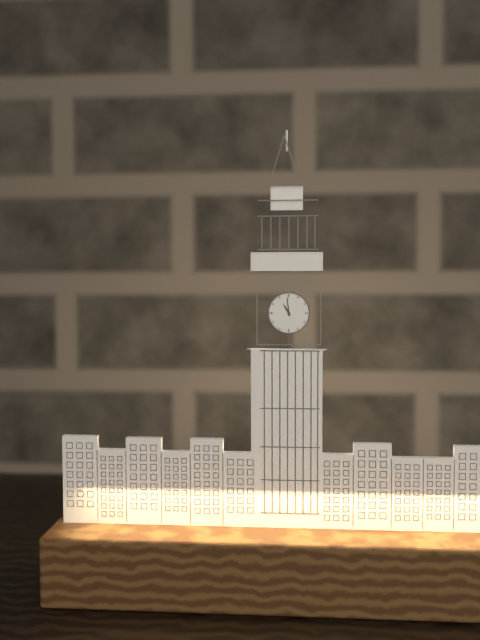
10:59
